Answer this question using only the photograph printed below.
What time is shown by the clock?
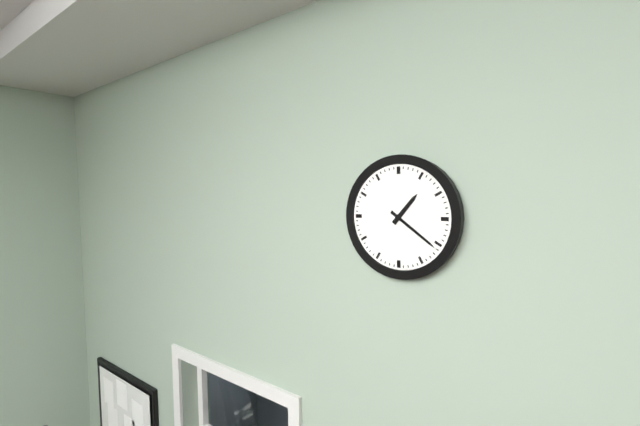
1:21
